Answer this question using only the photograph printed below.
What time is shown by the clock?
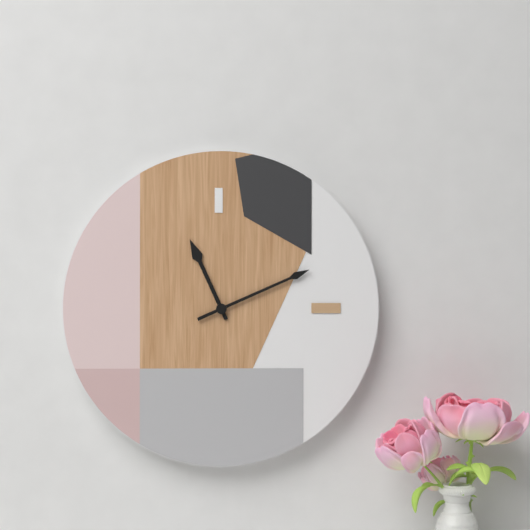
11:11
